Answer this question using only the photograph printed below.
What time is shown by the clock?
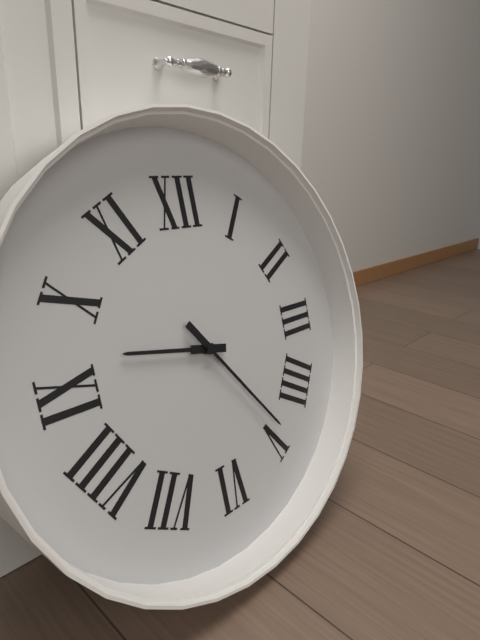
9:24
